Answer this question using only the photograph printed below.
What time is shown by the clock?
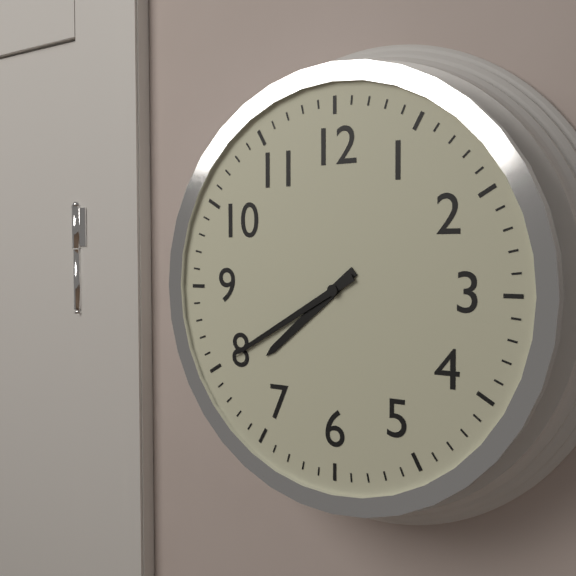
7:40
